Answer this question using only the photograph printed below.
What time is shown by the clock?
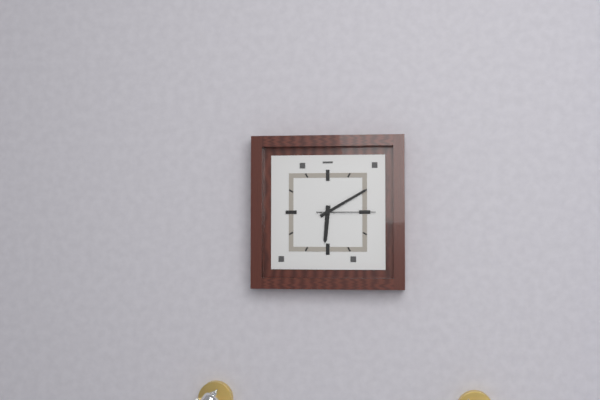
6:10:15
